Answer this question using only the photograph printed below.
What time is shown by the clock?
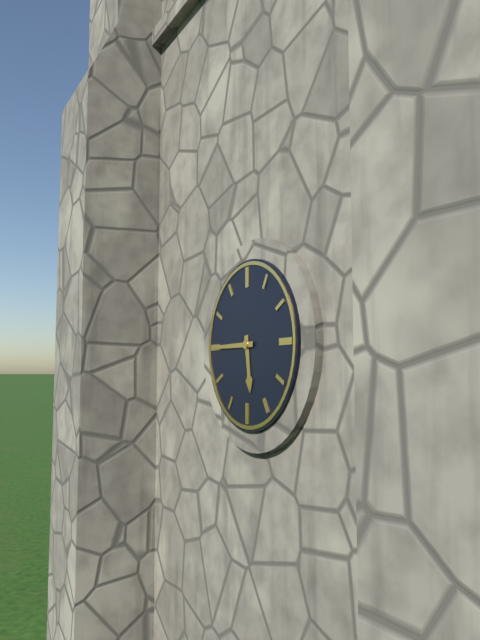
5:45
